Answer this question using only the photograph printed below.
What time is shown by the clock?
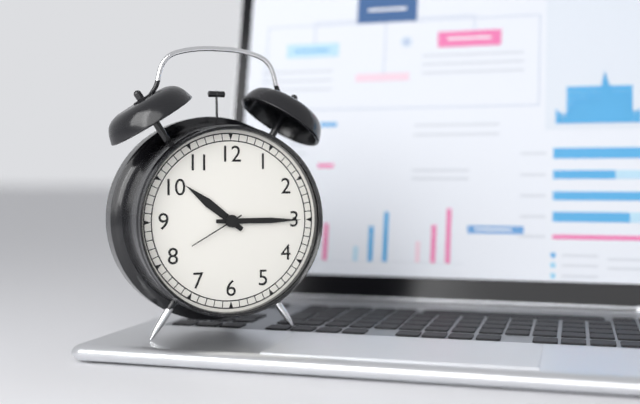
10:15:40
